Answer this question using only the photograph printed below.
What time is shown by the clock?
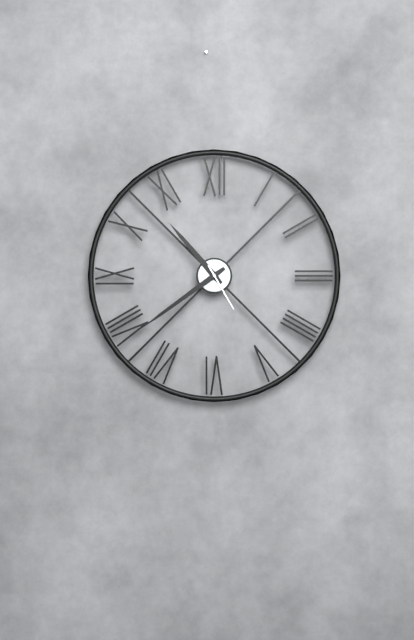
10:39
